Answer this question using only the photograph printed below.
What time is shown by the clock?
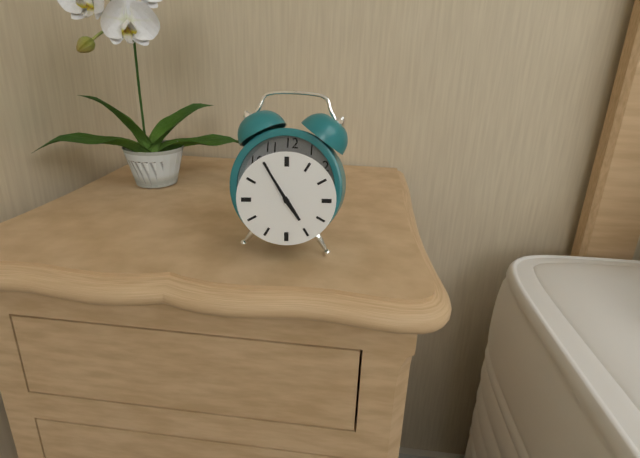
4:55
